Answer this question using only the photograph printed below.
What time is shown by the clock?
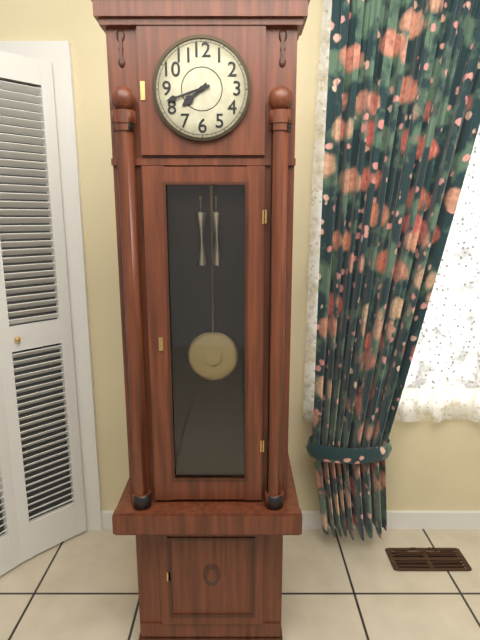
7:42
